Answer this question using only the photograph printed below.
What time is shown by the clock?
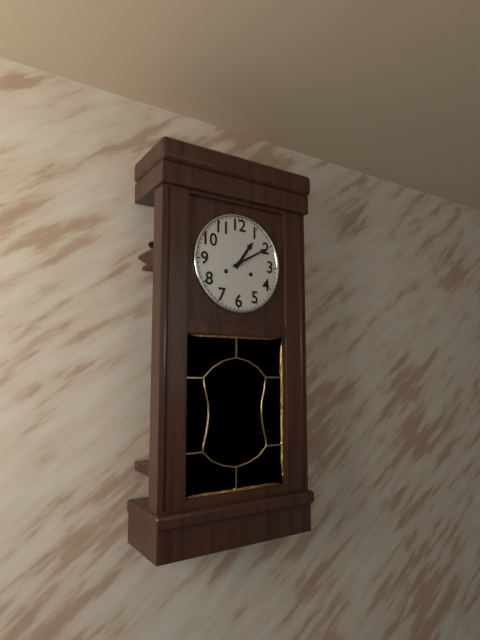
1:10
